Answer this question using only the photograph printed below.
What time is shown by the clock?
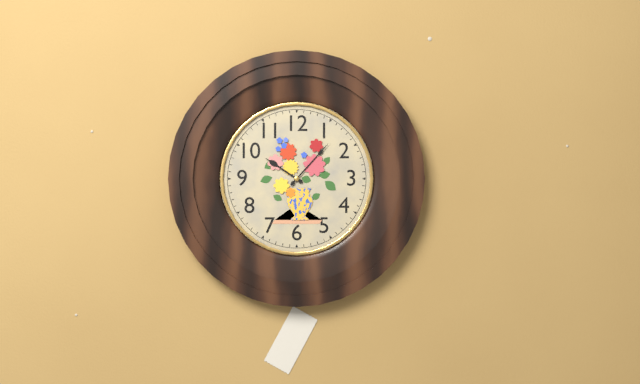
10:07
